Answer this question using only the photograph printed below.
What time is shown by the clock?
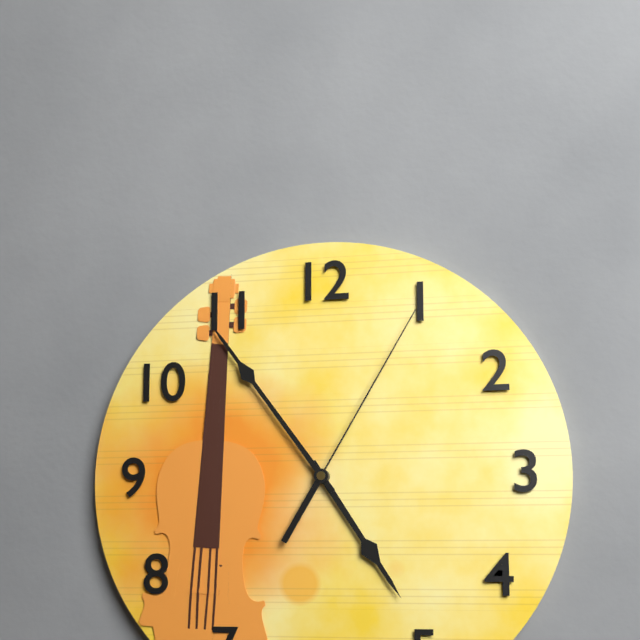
4:54:05
